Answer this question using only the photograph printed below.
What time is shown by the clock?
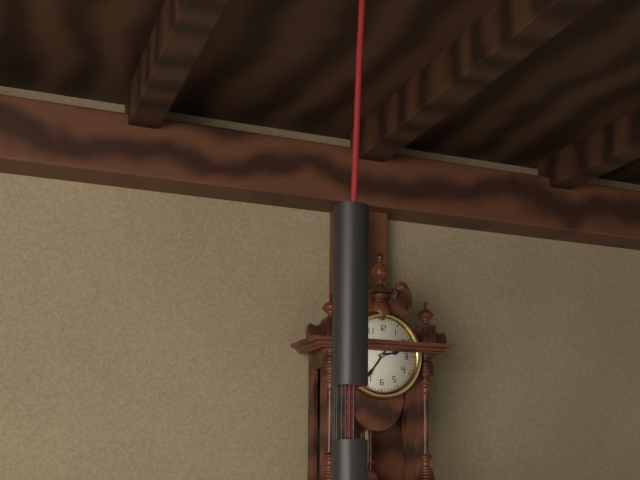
2:36
